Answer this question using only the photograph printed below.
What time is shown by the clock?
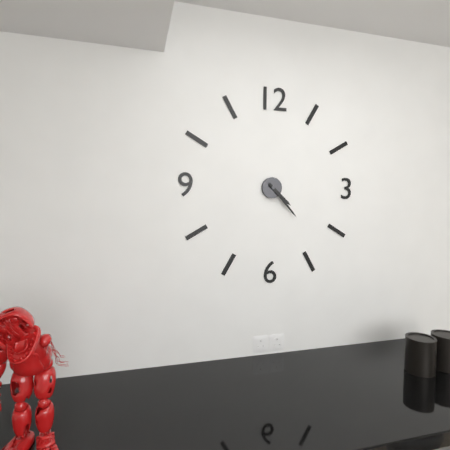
4:23
